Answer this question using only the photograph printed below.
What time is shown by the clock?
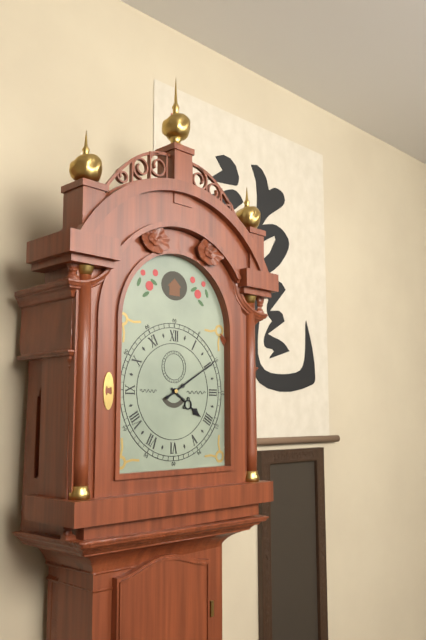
4:10
